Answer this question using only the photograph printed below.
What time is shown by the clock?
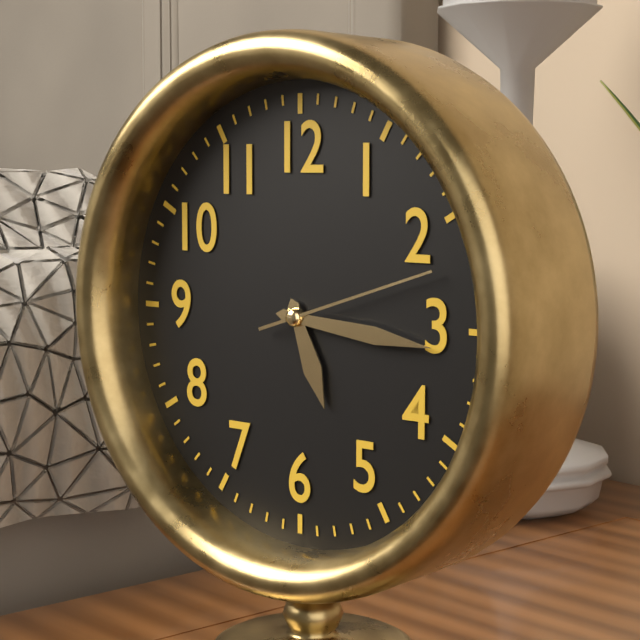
5:16:12
